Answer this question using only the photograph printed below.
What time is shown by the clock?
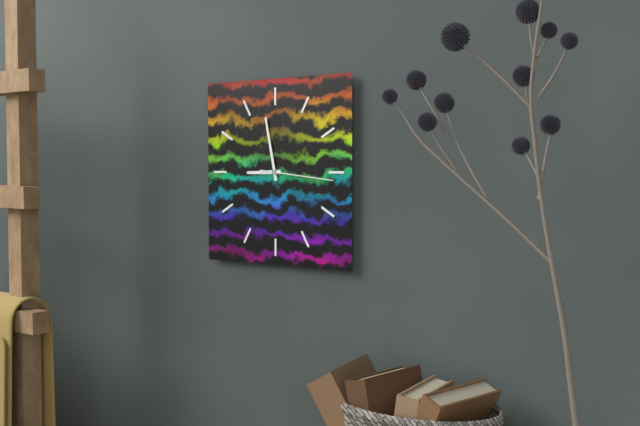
8:58:16
